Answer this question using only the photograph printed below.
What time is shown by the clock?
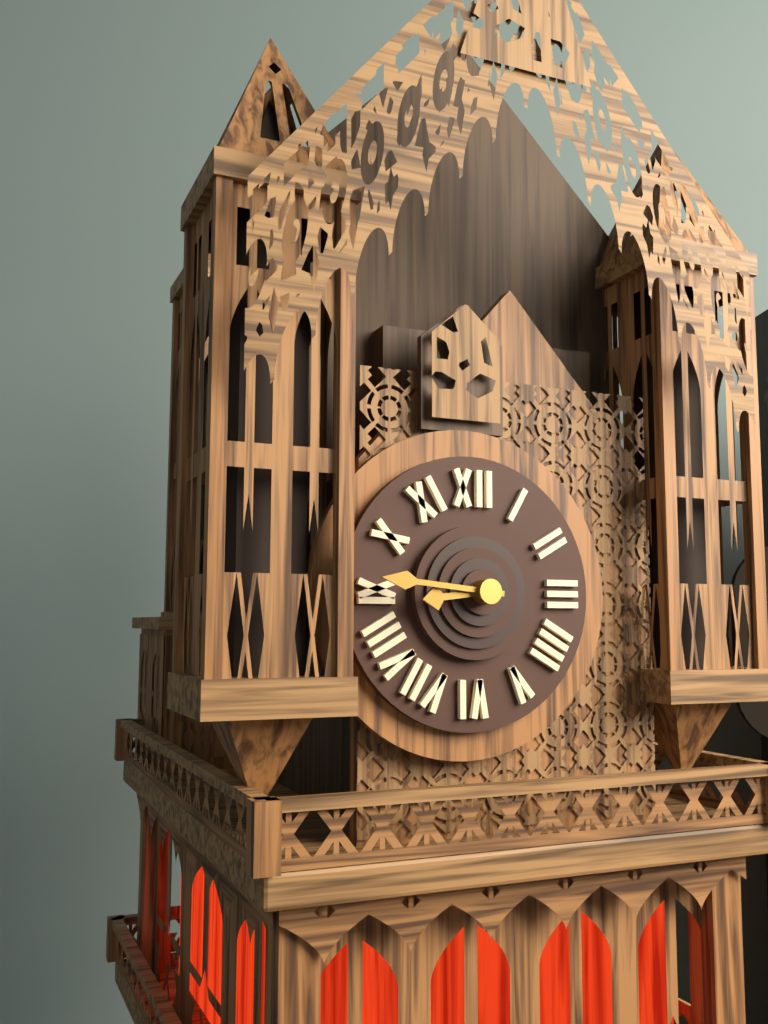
8:46
